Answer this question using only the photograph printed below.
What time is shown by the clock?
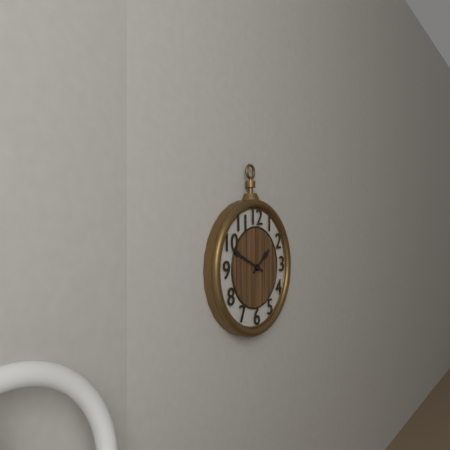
1:49
